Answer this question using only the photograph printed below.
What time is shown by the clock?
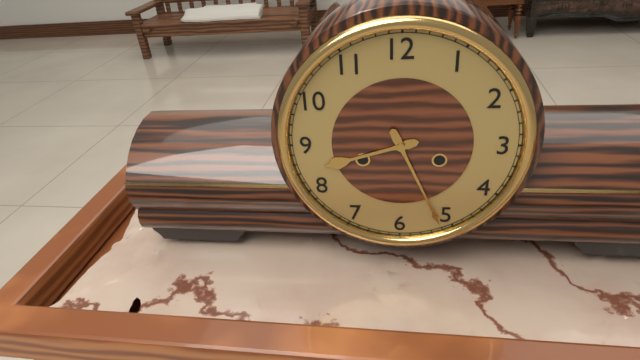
8:26
